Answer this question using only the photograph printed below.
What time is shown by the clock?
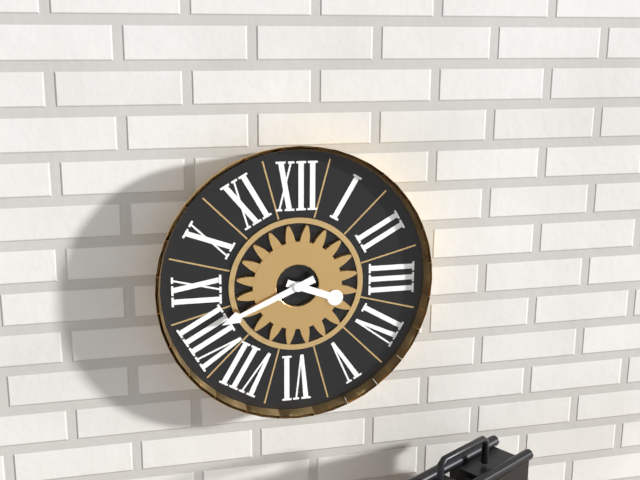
3:41
